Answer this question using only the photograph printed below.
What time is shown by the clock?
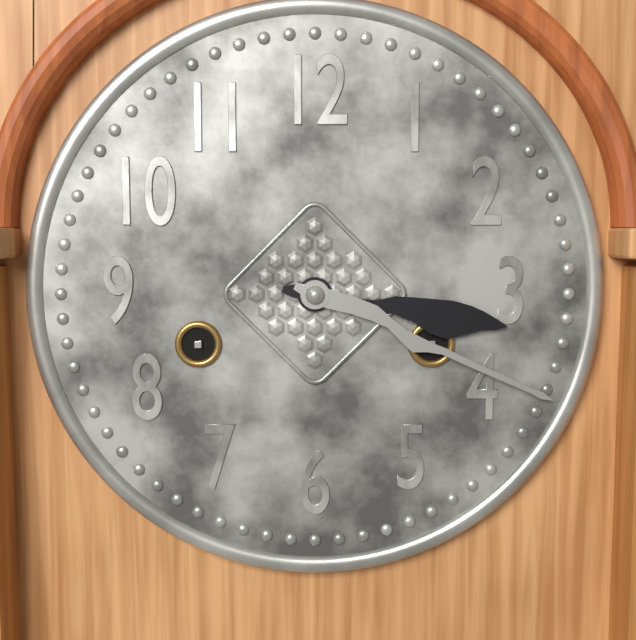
3:19
